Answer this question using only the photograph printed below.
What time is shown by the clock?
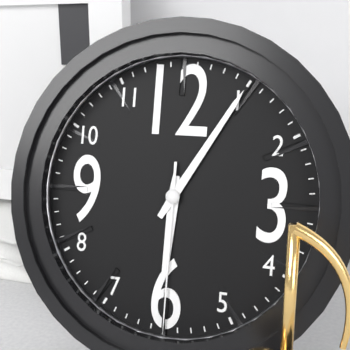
6:05:30
